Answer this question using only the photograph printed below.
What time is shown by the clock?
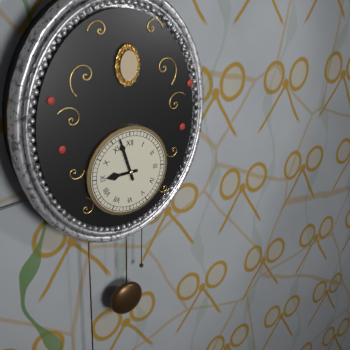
8:57
